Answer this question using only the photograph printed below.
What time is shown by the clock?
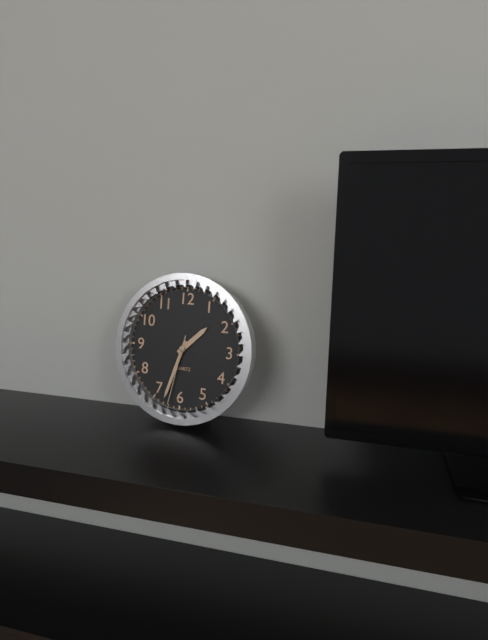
1:33:32
